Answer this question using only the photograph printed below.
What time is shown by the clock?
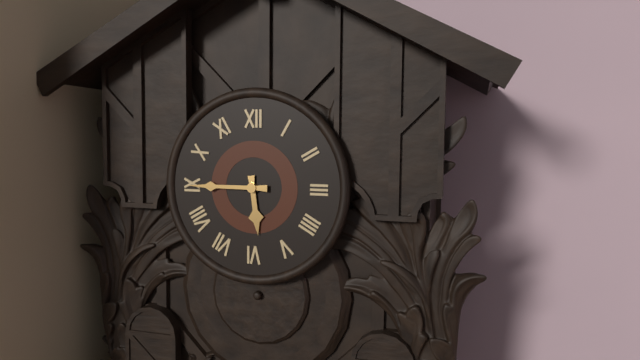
5:45
